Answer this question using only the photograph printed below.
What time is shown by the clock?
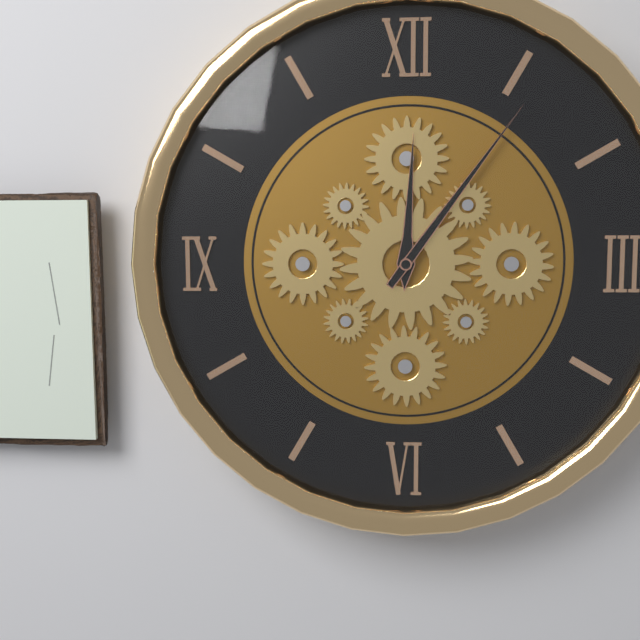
12:06
